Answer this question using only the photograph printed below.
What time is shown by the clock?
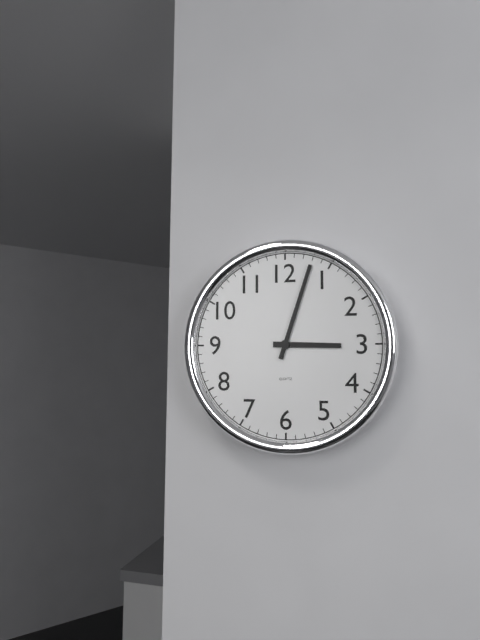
3:03
